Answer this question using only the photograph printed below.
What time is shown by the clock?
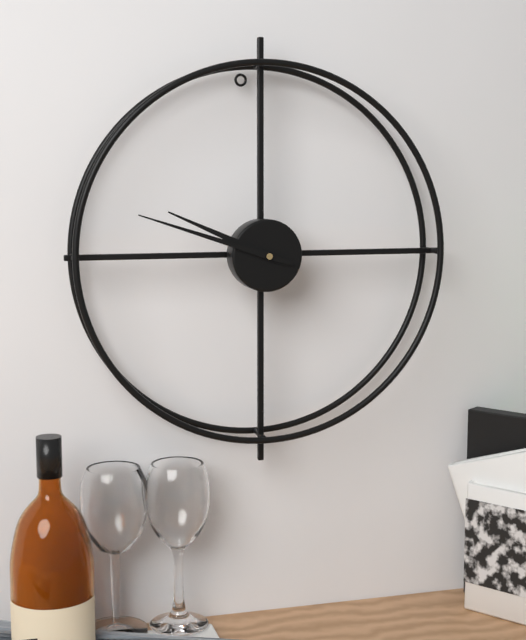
9:48
